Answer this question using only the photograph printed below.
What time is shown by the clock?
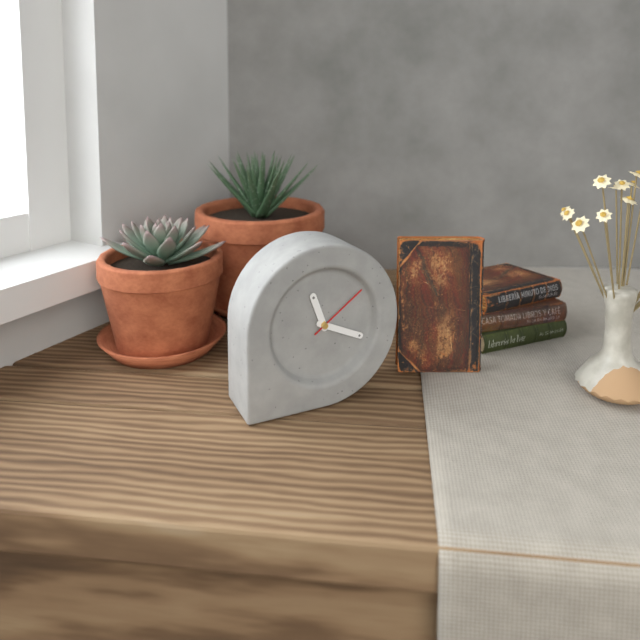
11:19:09
